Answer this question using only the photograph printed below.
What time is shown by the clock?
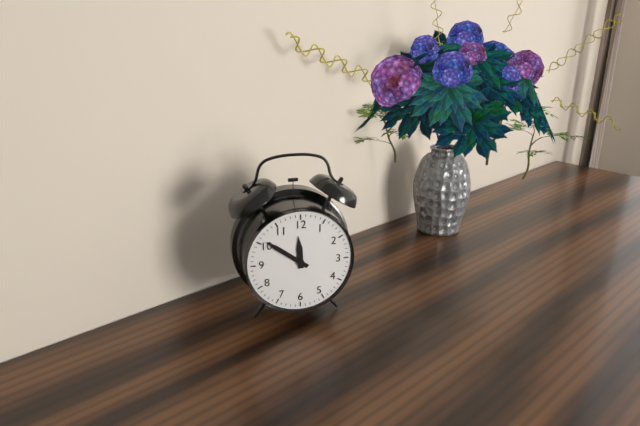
11:51
